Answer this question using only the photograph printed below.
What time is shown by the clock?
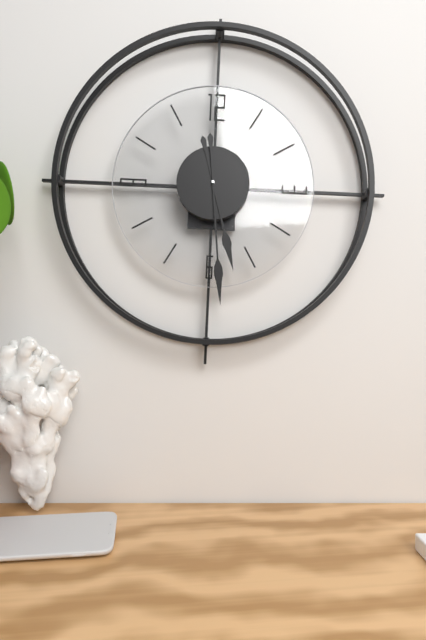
5:29
